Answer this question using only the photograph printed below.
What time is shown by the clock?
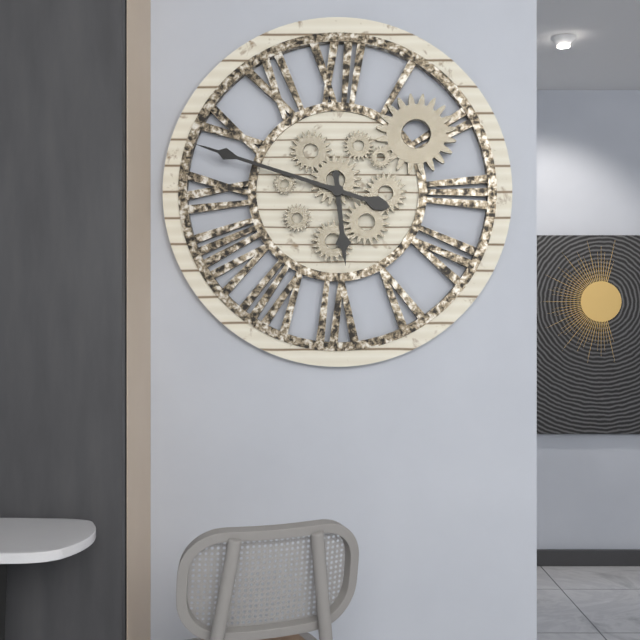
5:48
